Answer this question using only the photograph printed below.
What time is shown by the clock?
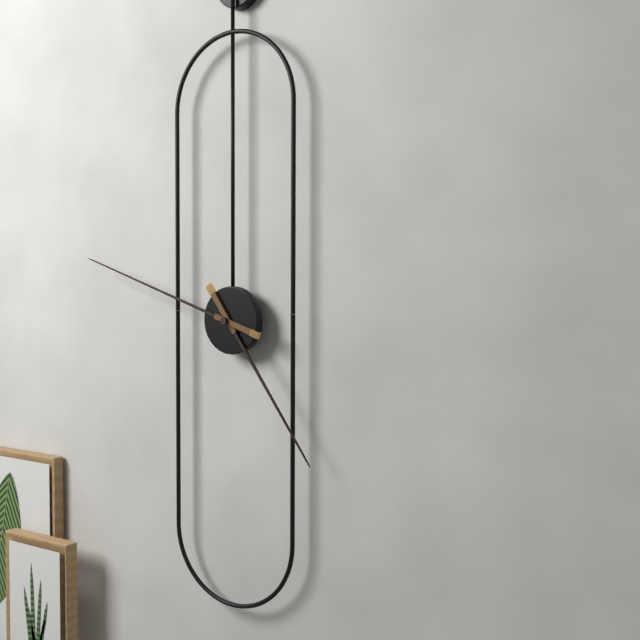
4:48
